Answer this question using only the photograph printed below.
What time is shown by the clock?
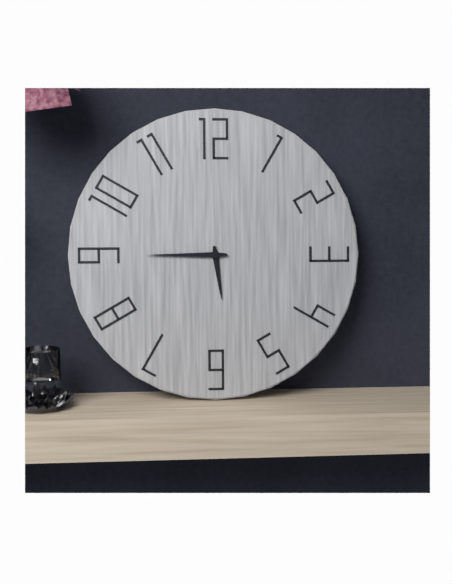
5:45
